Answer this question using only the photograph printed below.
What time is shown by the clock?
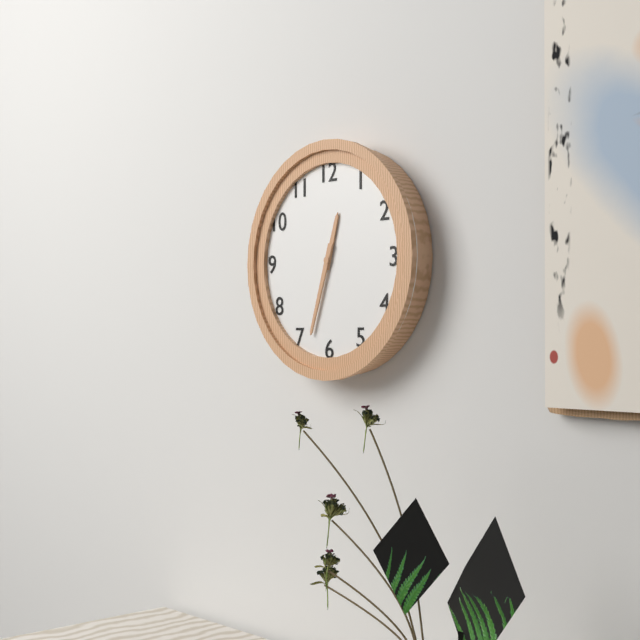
12:33
